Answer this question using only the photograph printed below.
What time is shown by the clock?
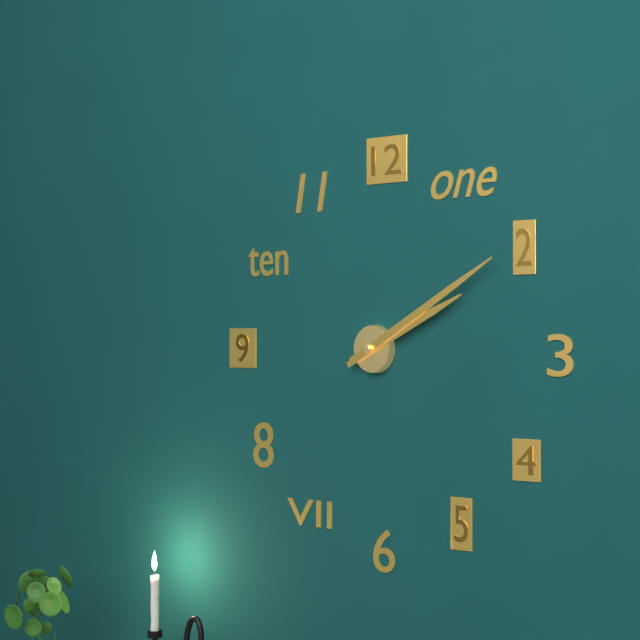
2:10
